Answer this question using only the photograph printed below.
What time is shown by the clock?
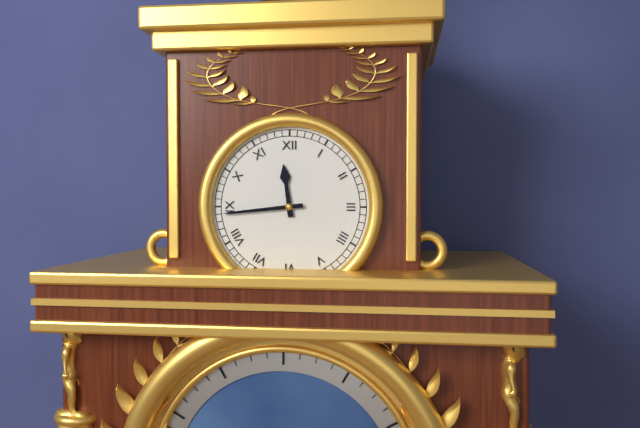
11:44
